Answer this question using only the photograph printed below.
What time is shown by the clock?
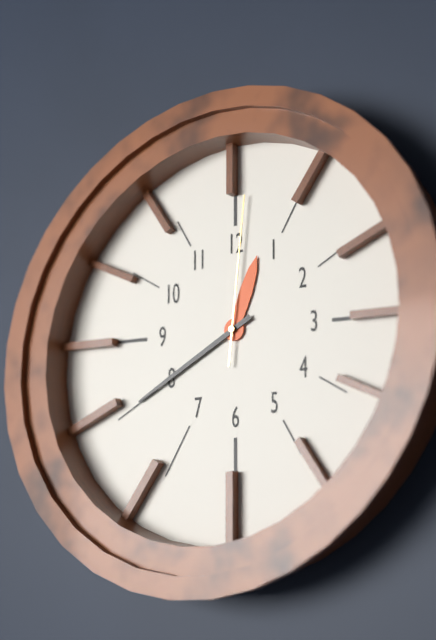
12:40:01
